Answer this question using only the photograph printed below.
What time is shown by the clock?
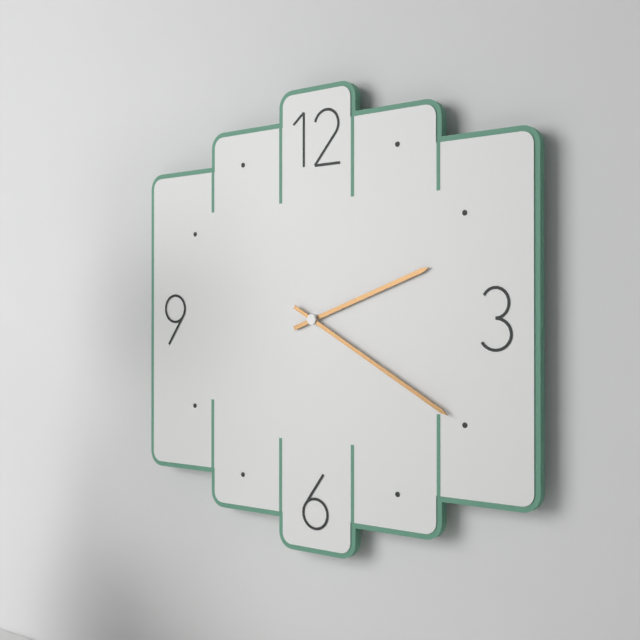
2:20
